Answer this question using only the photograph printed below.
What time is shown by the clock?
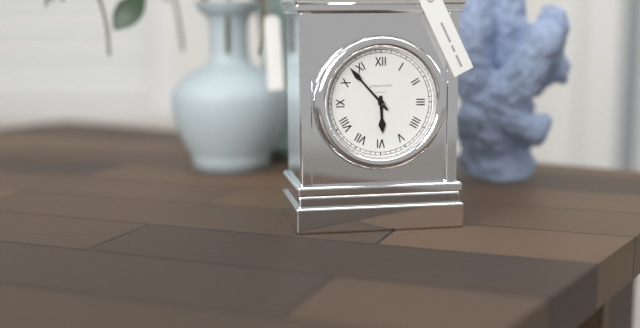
5:53
